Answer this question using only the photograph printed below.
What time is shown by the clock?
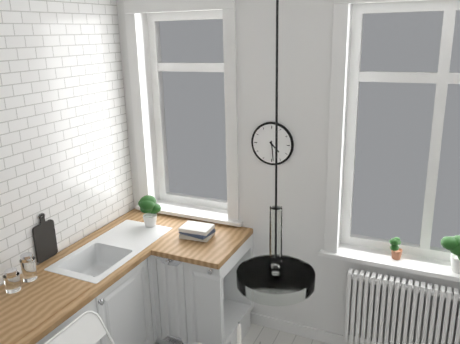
4:29
